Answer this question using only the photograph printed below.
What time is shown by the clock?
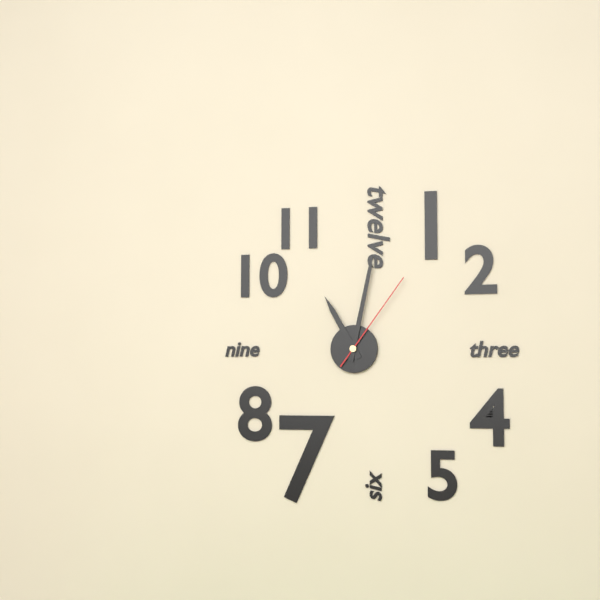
11:02:06
